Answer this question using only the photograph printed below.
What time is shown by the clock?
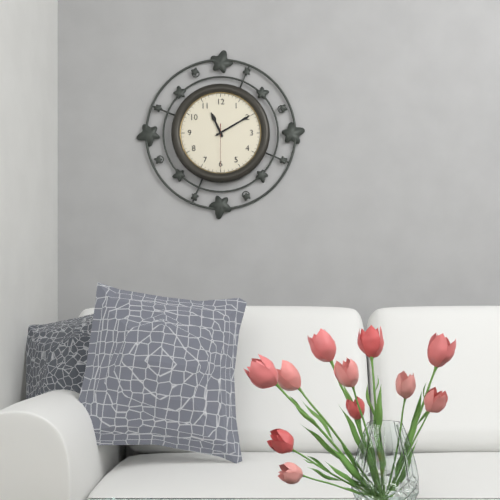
11:10
